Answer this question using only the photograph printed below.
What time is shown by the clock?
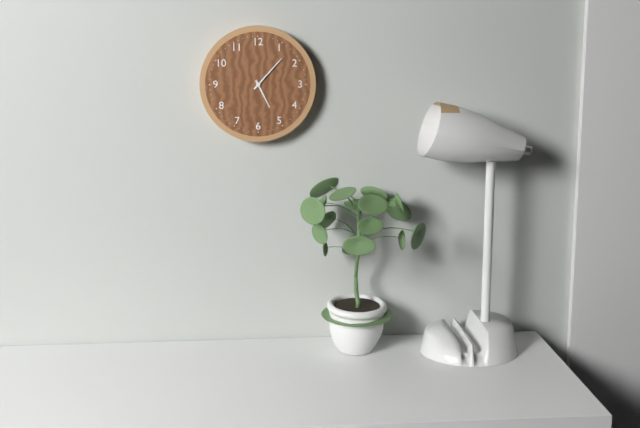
5:07
